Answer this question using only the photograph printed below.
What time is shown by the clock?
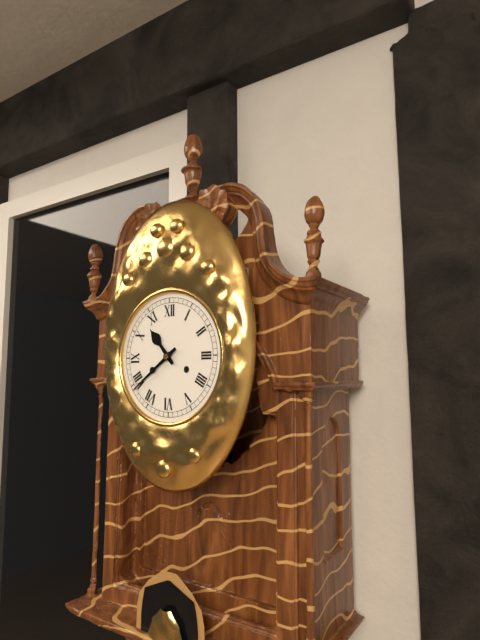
10:39
